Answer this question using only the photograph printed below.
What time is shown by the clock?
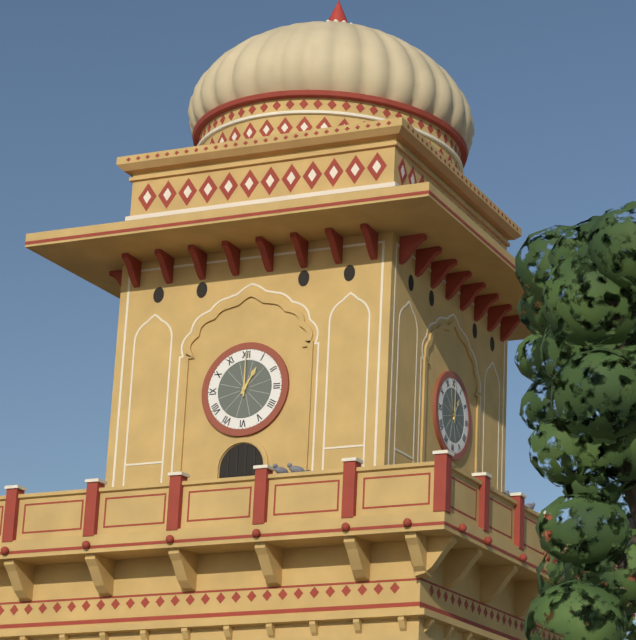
1:00
